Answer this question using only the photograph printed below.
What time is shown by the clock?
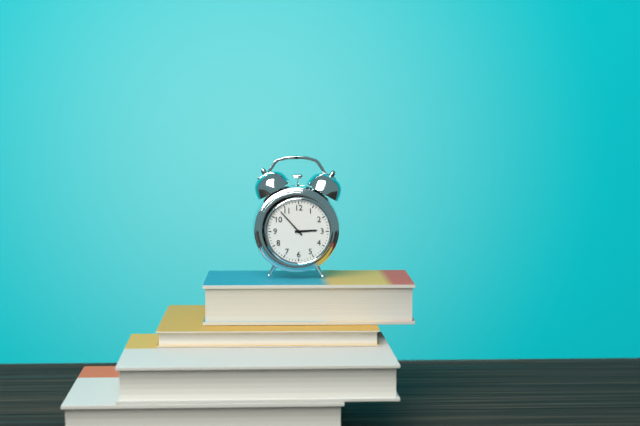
2:53
